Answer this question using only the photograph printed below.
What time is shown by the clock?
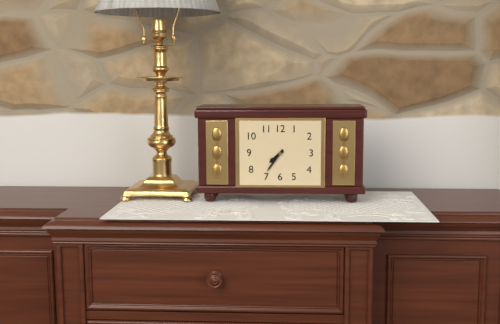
7:36
